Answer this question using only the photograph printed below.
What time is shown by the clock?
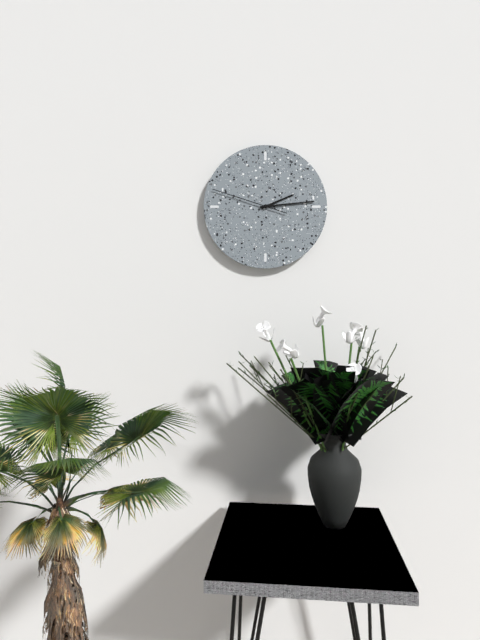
2:14:48
